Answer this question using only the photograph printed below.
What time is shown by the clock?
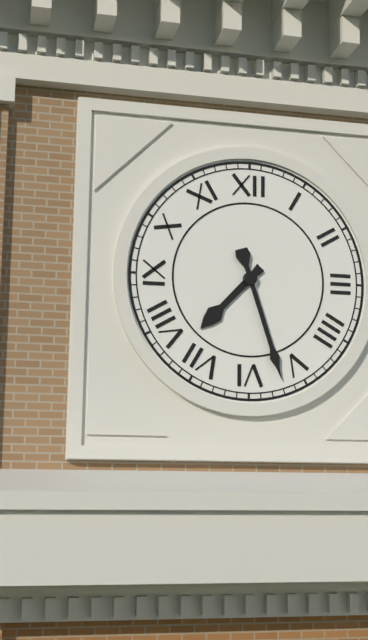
7:27
